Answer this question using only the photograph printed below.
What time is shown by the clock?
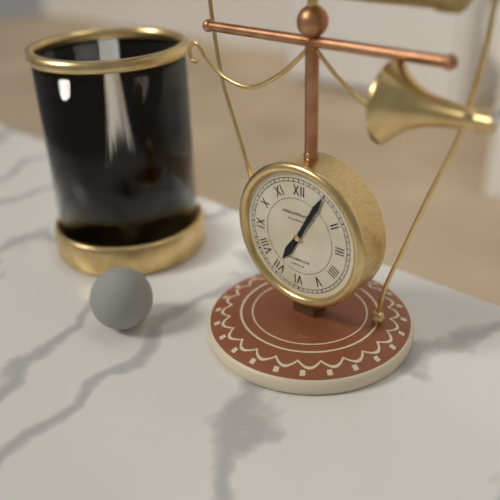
7:05
